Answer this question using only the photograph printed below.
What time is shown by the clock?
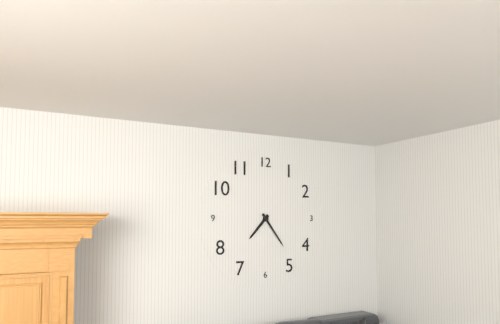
7:24
